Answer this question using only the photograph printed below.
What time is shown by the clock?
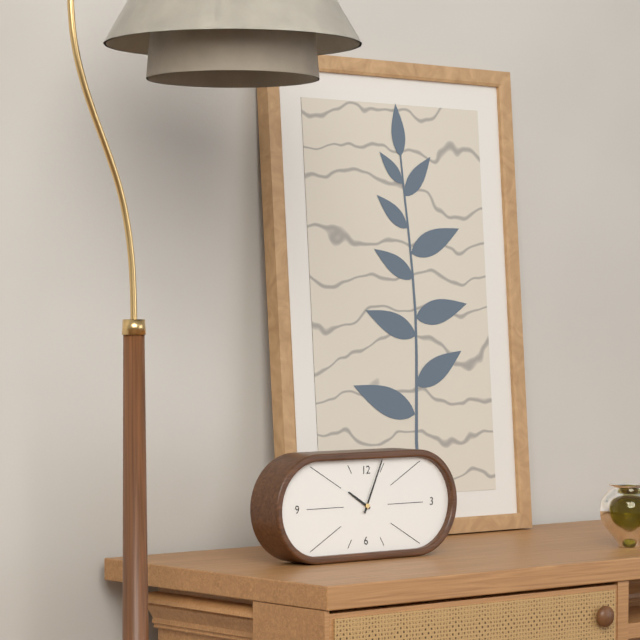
10:04
